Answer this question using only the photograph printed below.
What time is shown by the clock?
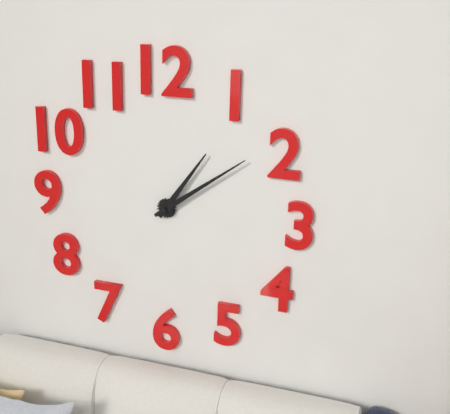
1:09
